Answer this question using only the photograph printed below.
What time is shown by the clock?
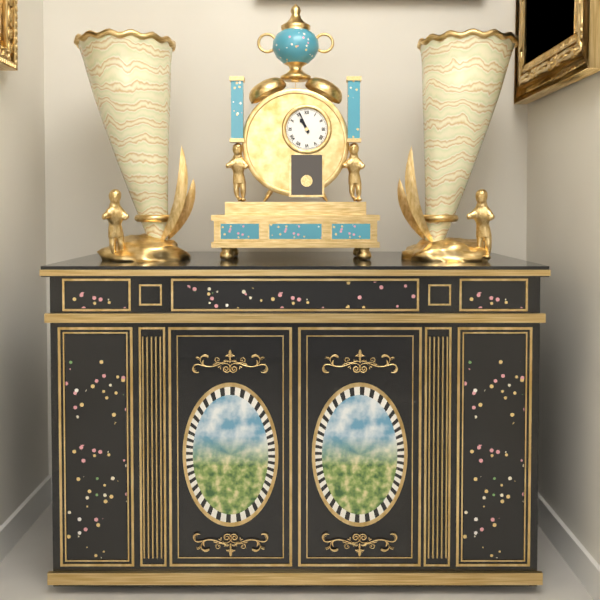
10:56
